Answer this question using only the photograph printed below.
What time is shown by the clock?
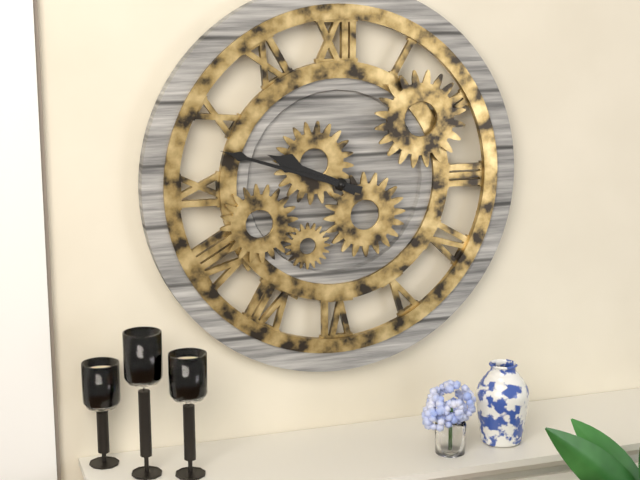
9:48
